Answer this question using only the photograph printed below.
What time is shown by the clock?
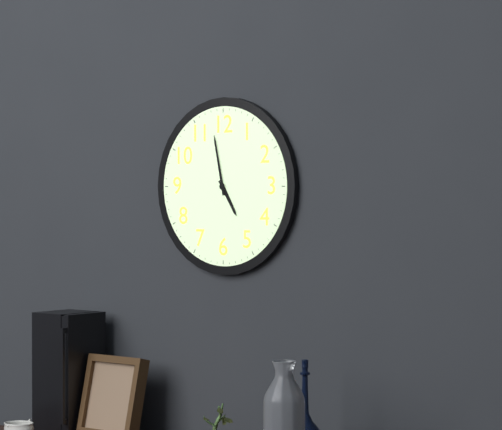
4:58
